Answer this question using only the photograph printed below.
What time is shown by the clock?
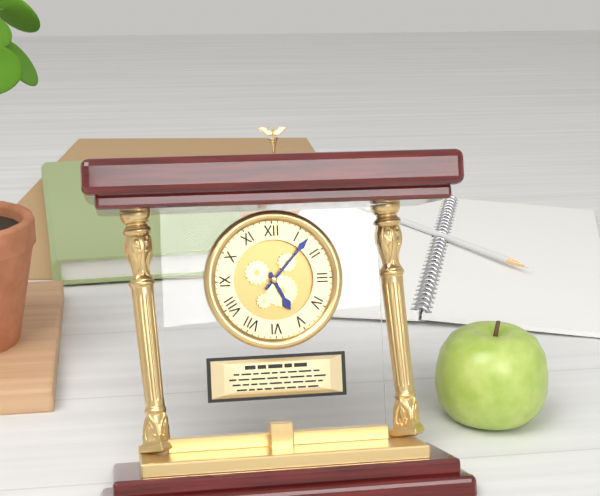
5:07
